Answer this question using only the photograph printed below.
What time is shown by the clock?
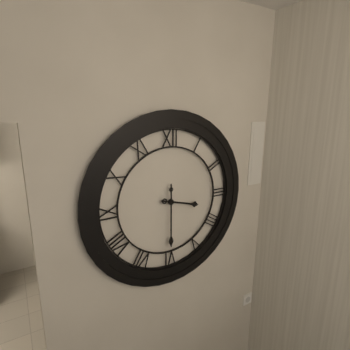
3:30
